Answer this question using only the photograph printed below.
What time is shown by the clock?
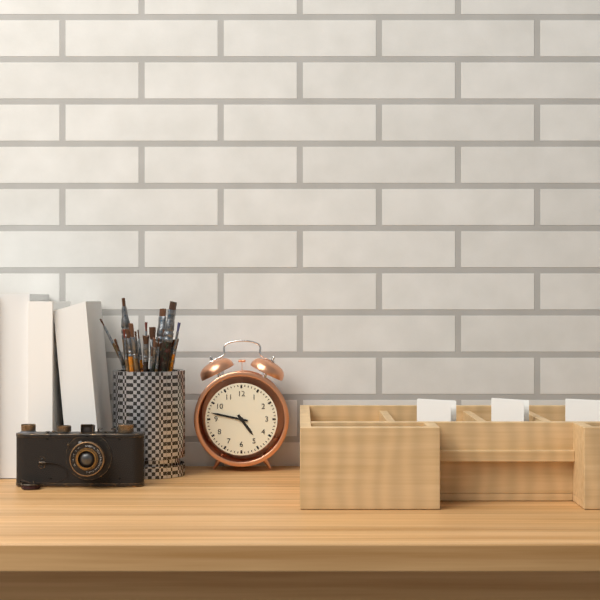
4:47
